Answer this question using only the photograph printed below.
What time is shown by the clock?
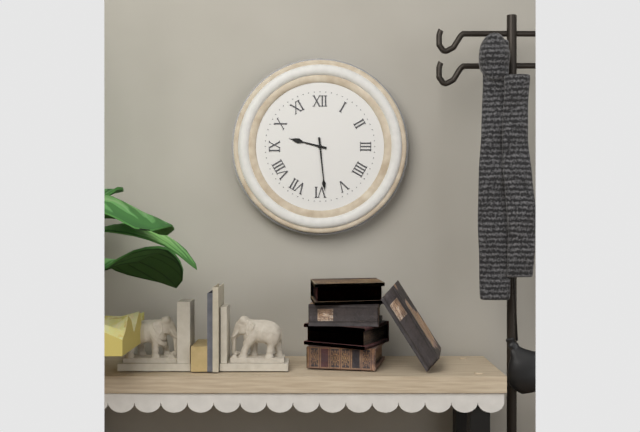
9:29
